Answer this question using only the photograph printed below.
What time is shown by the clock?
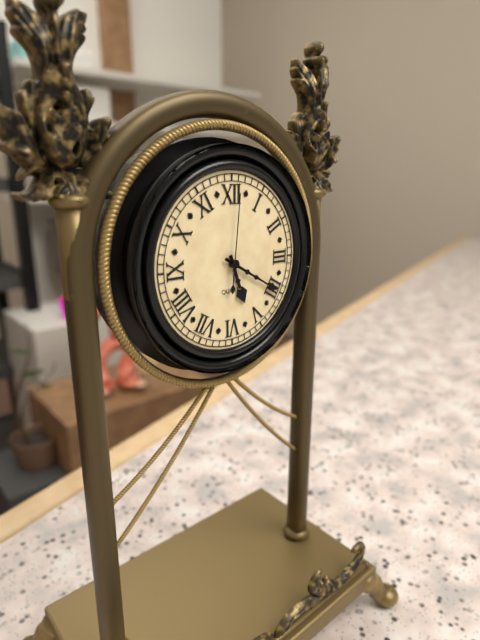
5:20:01
